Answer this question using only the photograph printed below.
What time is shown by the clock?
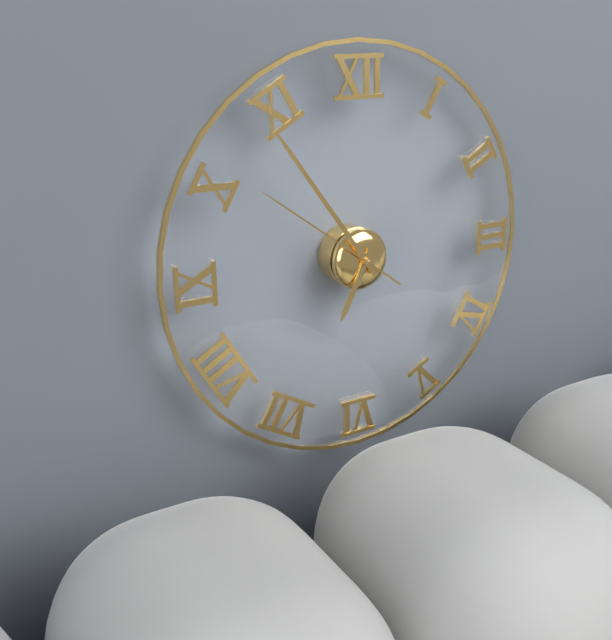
6:54:51
